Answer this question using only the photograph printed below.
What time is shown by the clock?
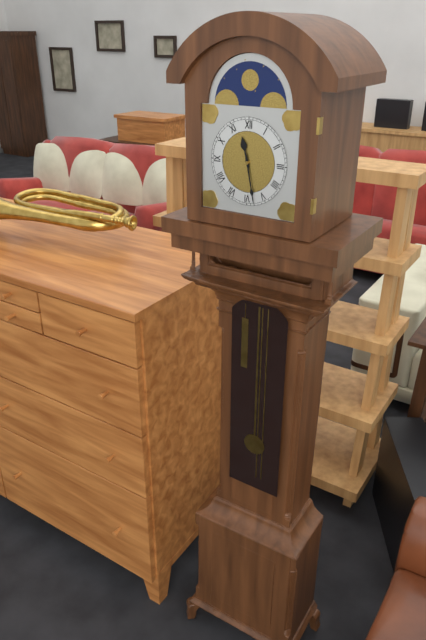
11:28
